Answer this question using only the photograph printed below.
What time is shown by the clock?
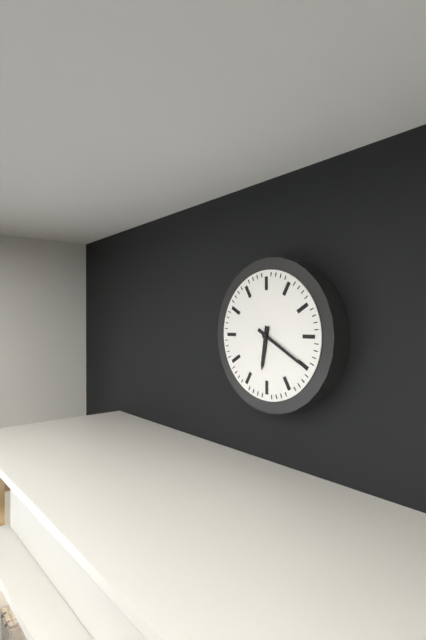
6:20
